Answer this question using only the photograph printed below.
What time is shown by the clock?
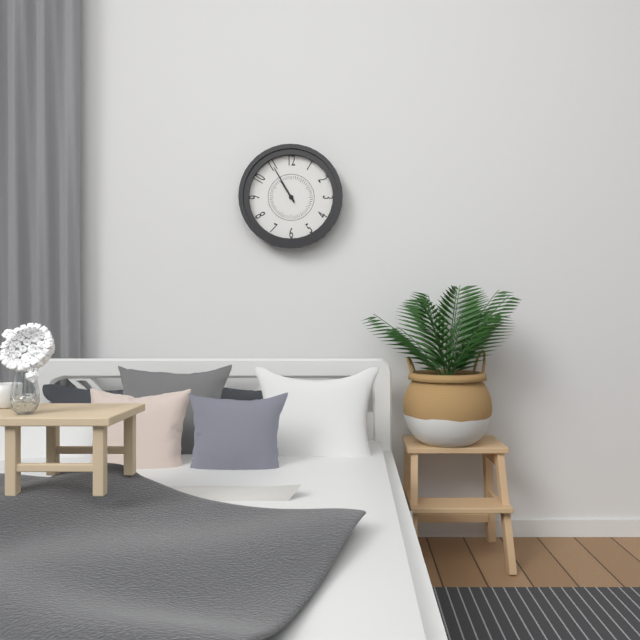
10:55
